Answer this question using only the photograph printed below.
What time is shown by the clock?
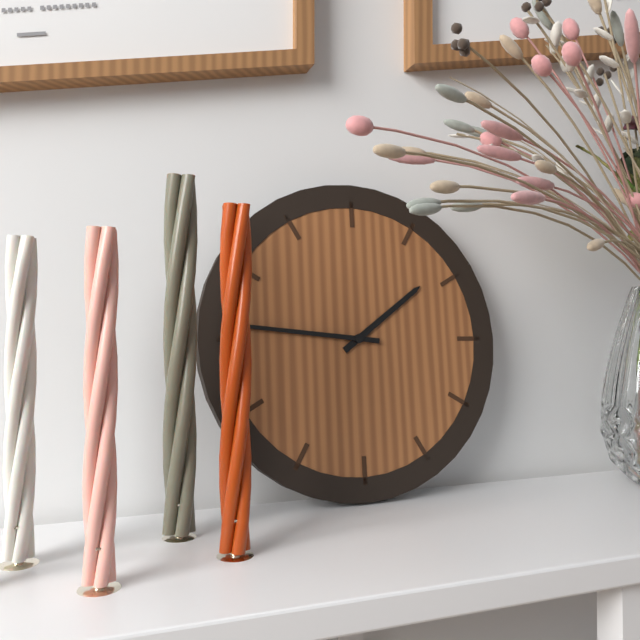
1:46
